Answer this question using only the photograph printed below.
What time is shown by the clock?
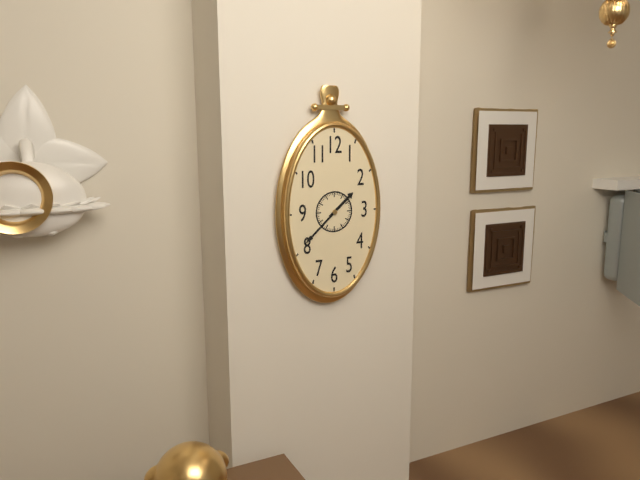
1:38
